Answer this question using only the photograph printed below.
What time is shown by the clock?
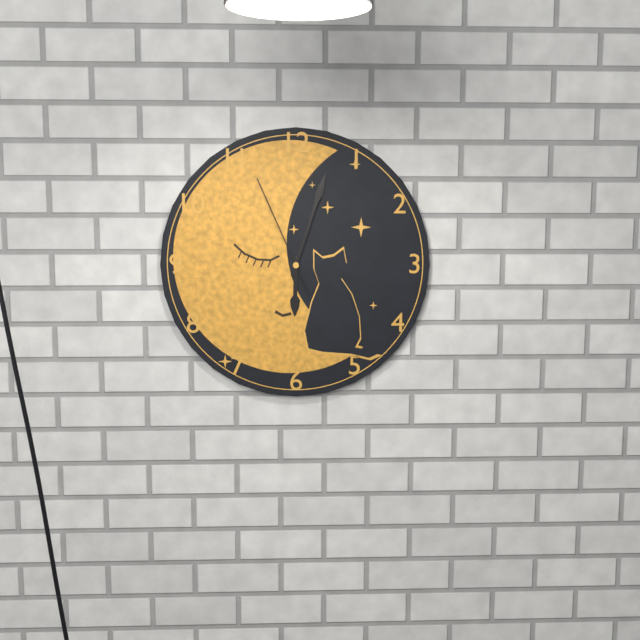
6:03:56
